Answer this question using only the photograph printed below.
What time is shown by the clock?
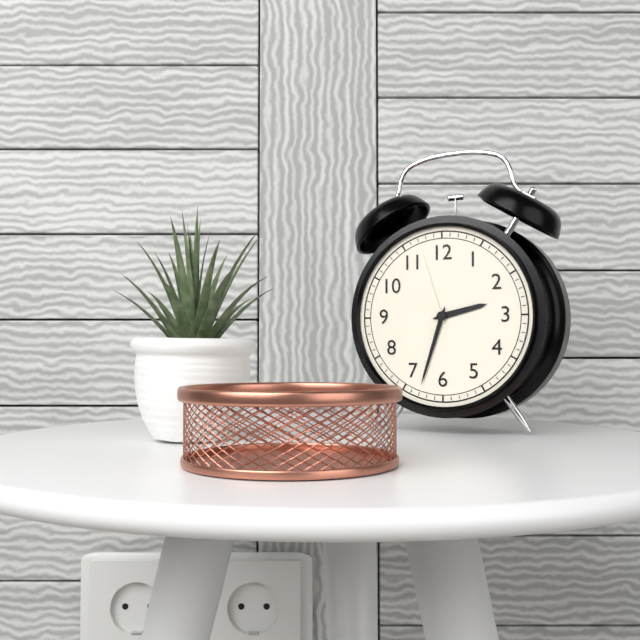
2:33:57
